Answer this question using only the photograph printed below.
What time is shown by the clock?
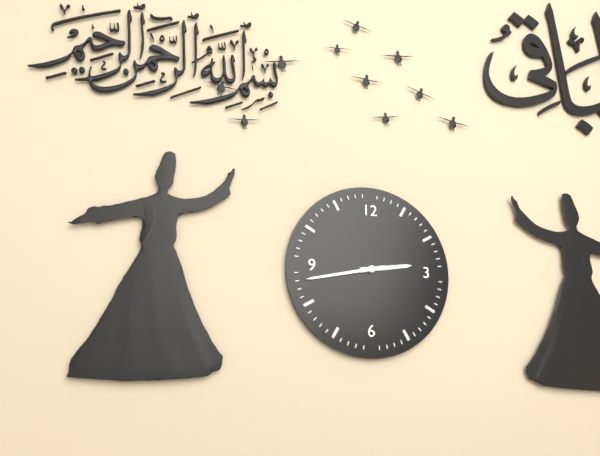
2:43
